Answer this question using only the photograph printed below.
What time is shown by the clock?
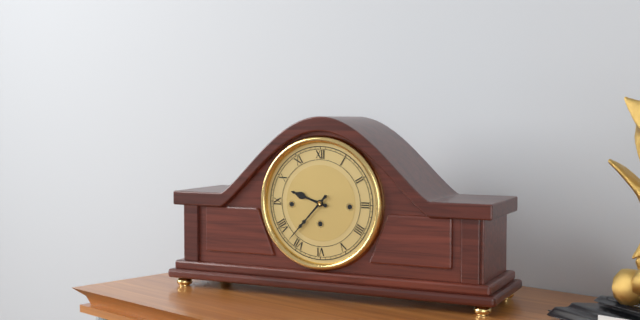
9:37
